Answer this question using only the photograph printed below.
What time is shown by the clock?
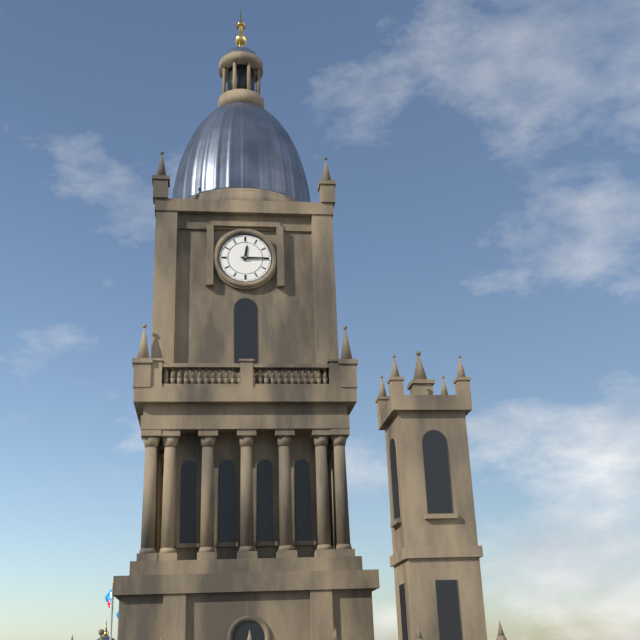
12:15
